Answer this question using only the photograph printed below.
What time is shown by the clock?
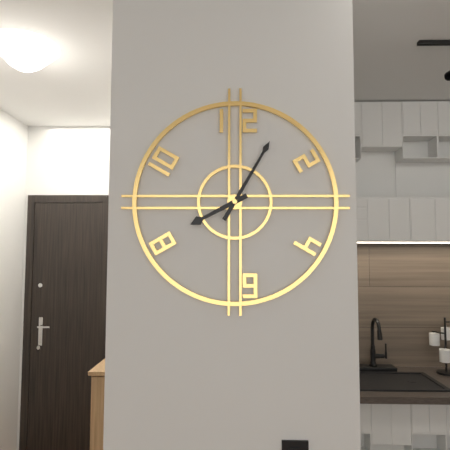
8:05
